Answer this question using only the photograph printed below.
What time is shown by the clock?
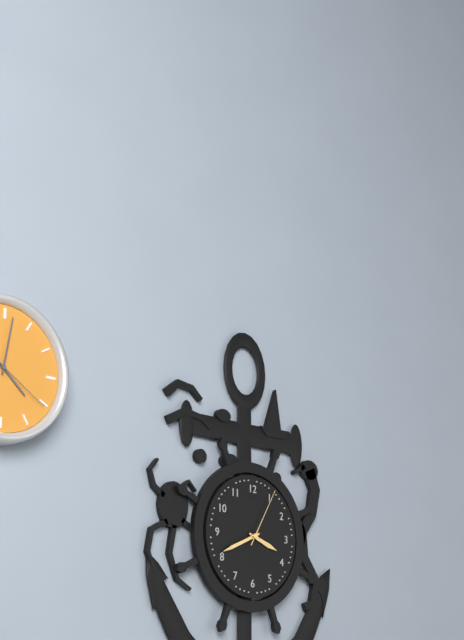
3:41:05
